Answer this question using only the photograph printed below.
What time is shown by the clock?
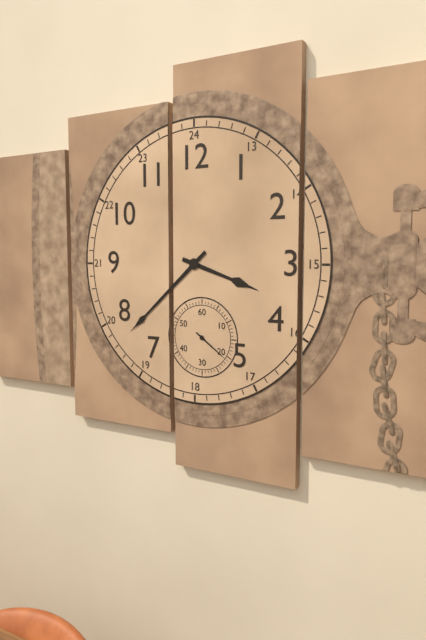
3:38
